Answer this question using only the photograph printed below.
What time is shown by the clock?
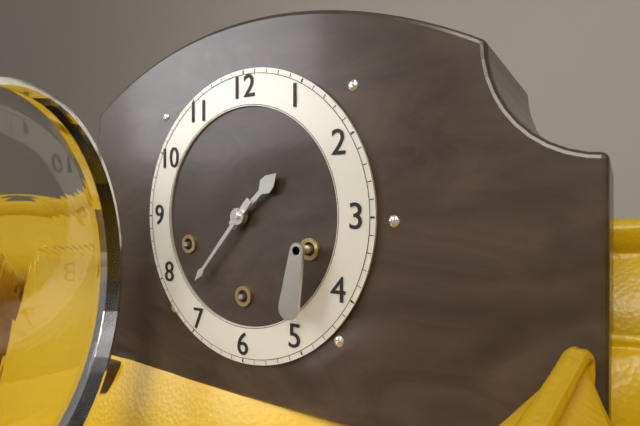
1:37
